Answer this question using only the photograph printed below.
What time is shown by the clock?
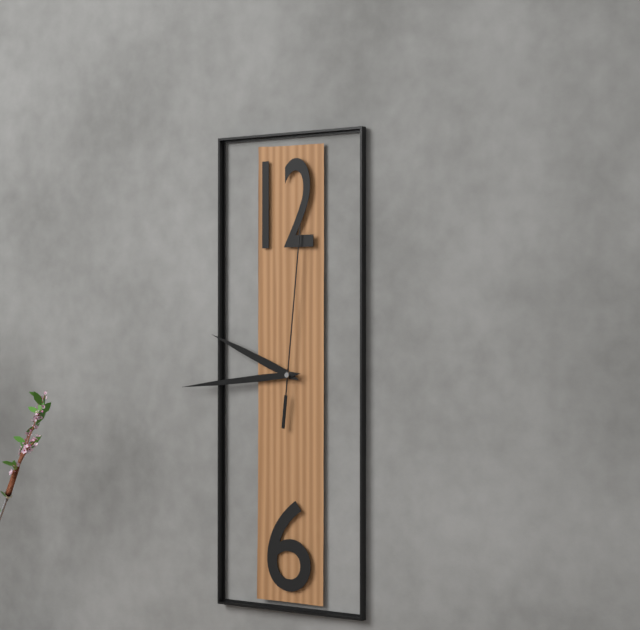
9:44:01
